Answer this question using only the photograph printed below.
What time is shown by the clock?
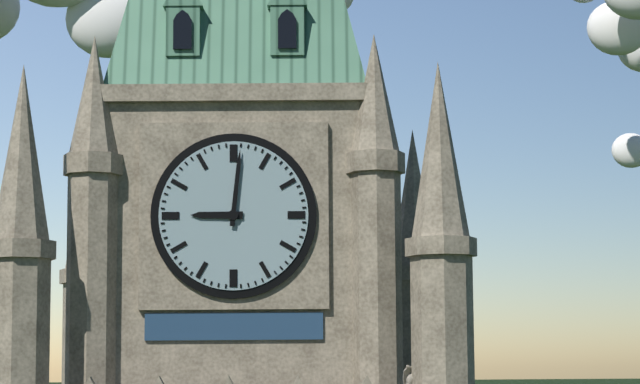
9:01
